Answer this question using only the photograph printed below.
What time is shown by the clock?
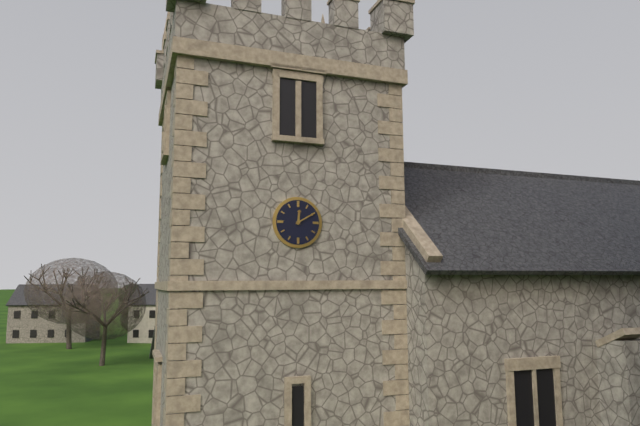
12:10
